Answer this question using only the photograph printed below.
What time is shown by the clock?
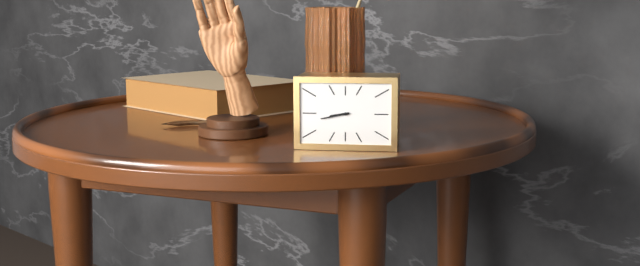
8:43
